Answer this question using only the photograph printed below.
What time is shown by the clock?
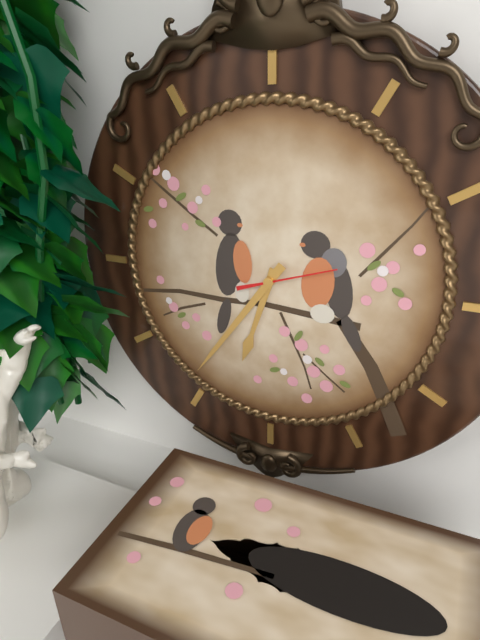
6:36:12
